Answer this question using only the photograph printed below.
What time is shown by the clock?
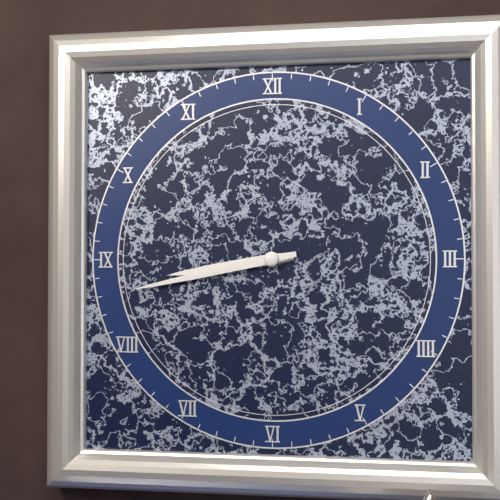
8:43
